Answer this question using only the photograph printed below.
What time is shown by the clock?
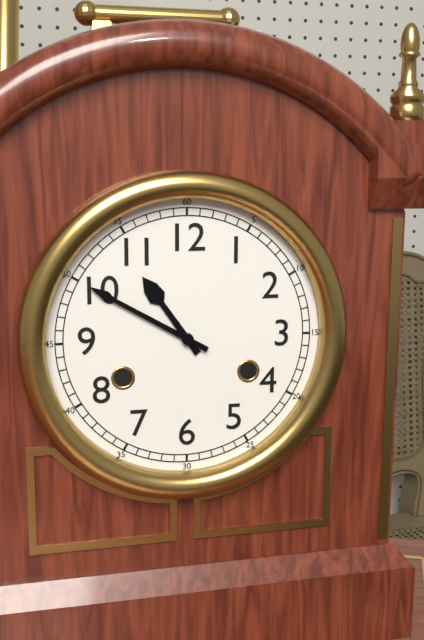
10:50
